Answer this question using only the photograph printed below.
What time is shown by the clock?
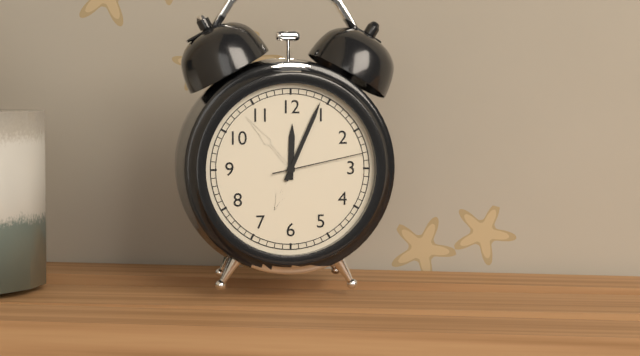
12:04:13
